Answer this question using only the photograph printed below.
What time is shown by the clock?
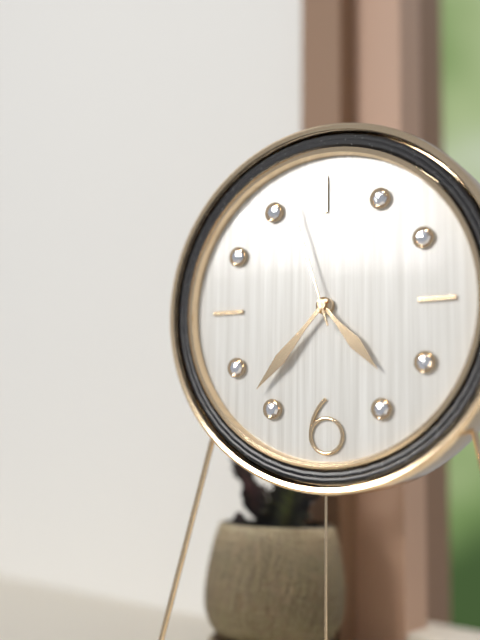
4:37:57
